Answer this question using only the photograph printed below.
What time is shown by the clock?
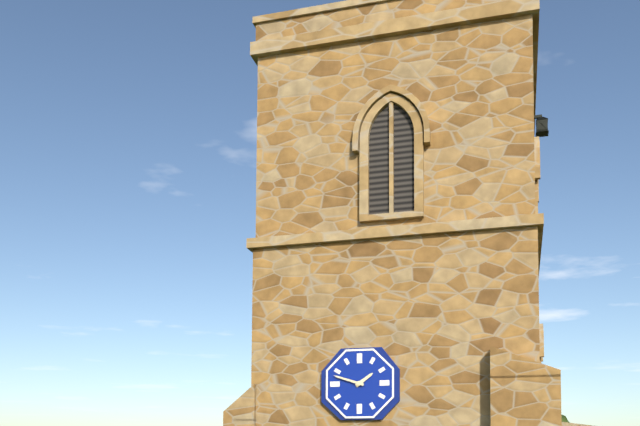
1:48
